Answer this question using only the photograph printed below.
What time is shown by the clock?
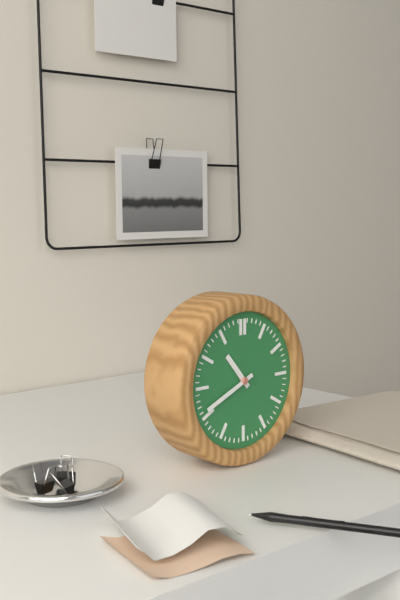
10:41
